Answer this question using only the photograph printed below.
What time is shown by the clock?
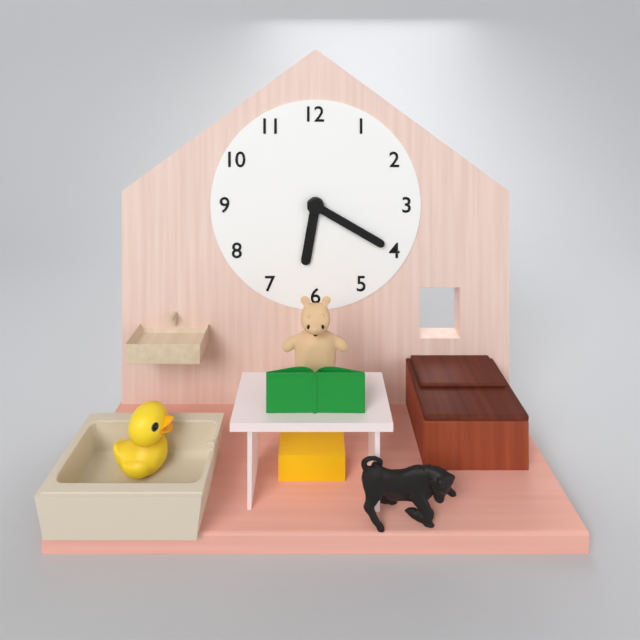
6:20
